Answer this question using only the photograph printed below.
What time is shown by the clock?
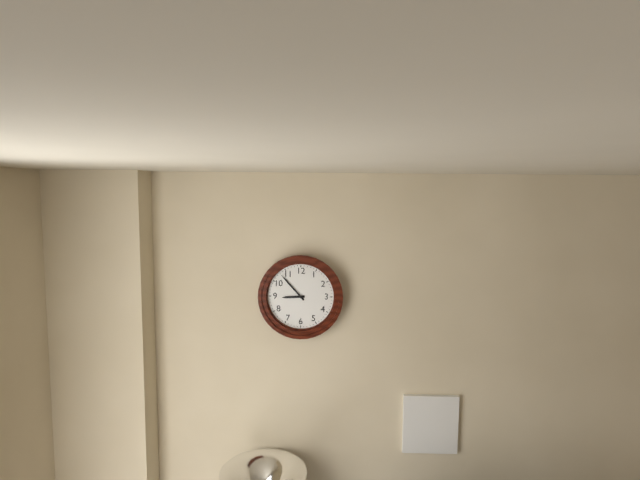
8:53
